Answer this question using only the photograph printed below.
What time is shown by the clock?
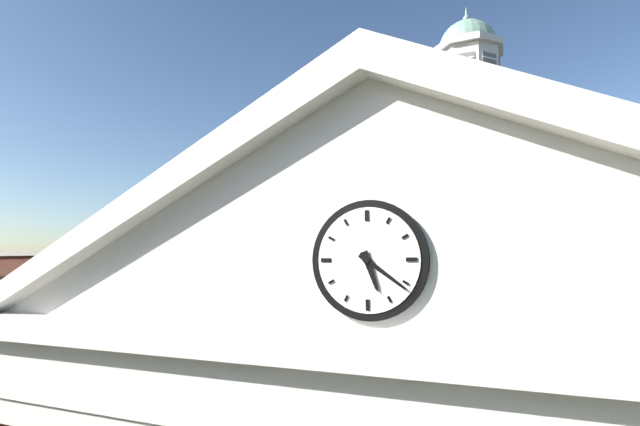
5:21
